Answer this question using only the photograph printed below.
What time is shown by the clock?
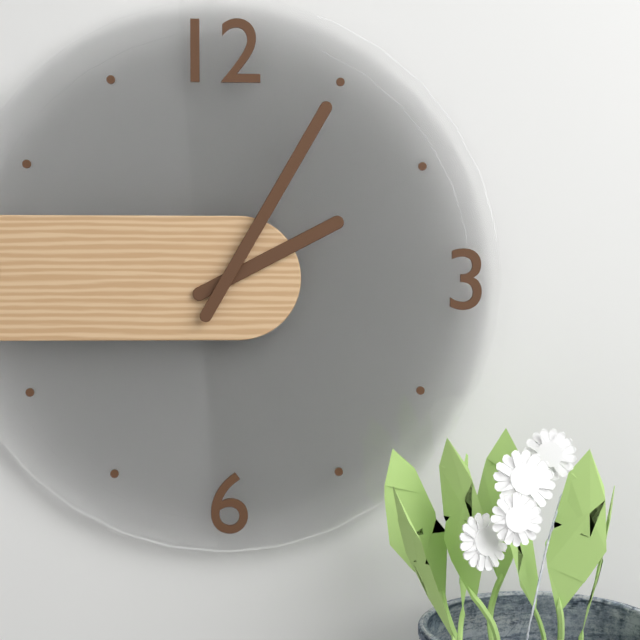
2:05
